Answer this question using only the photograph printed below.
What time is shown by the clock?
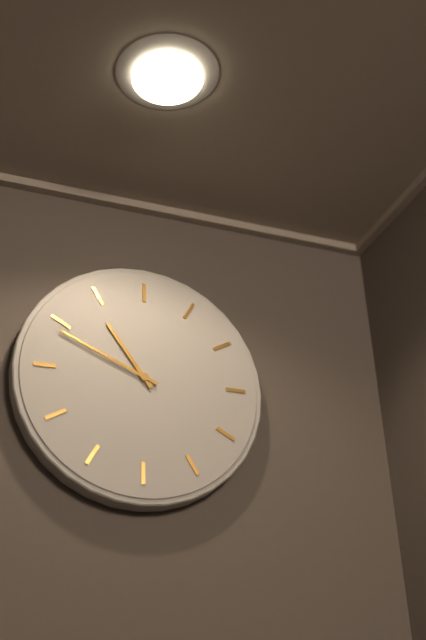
10:49
